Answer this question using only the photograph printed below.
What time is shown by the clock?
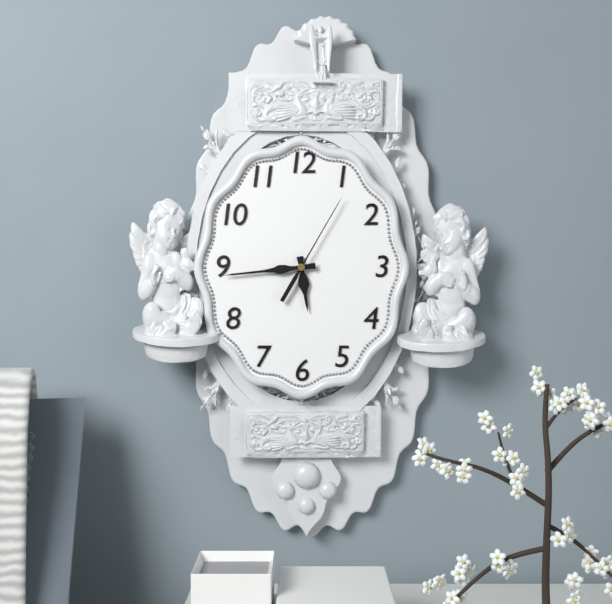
5:44:05
